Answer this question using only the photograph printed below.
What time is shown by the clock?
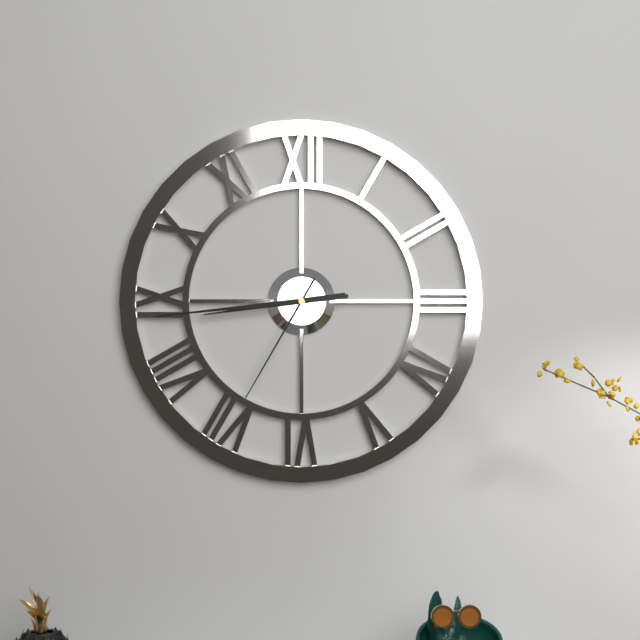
8:44:35
